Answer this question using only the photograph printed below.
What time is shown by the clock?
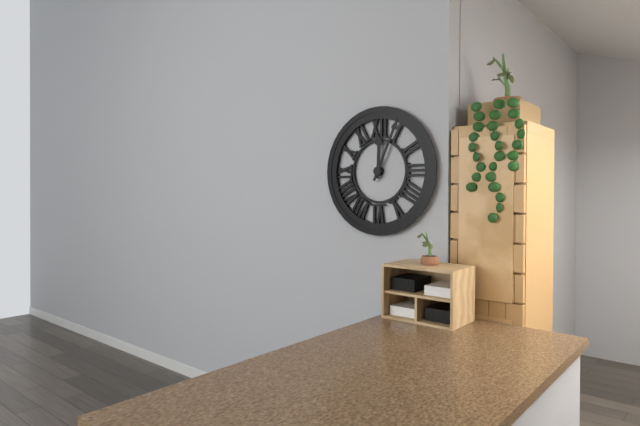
12:04
